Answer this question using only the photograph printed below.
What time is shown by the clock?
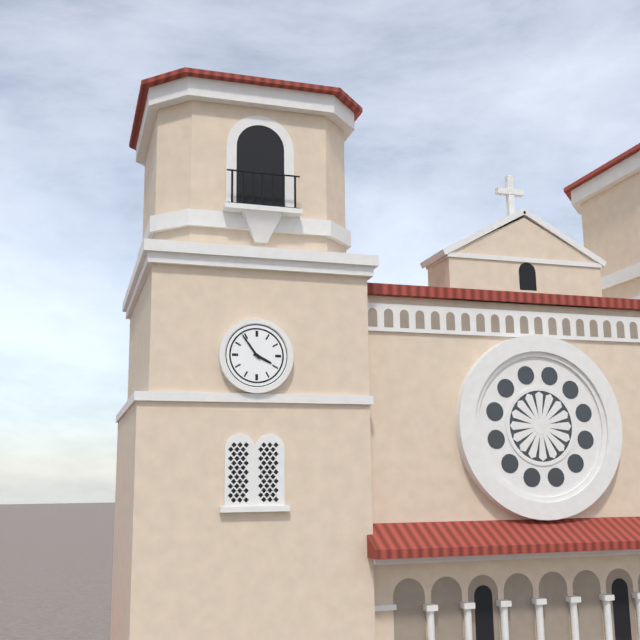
3:54
